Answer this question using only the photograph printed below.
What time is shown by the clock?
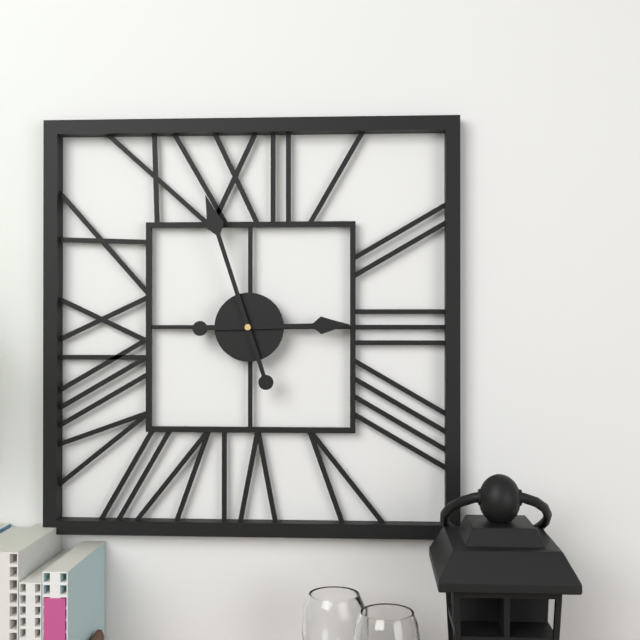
2:57
